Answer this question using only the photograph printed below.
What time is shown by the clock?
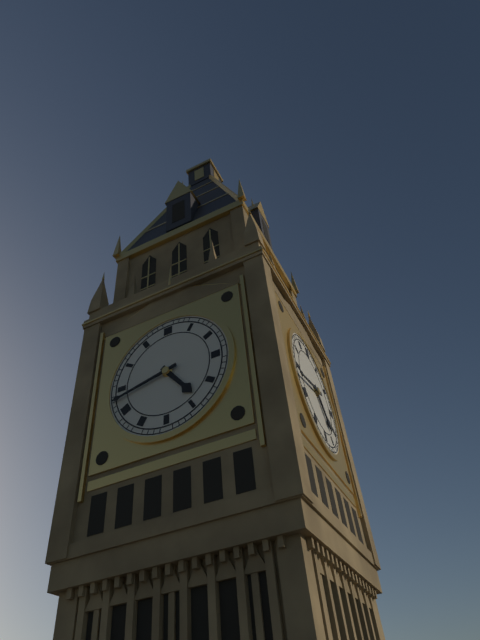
4:43
